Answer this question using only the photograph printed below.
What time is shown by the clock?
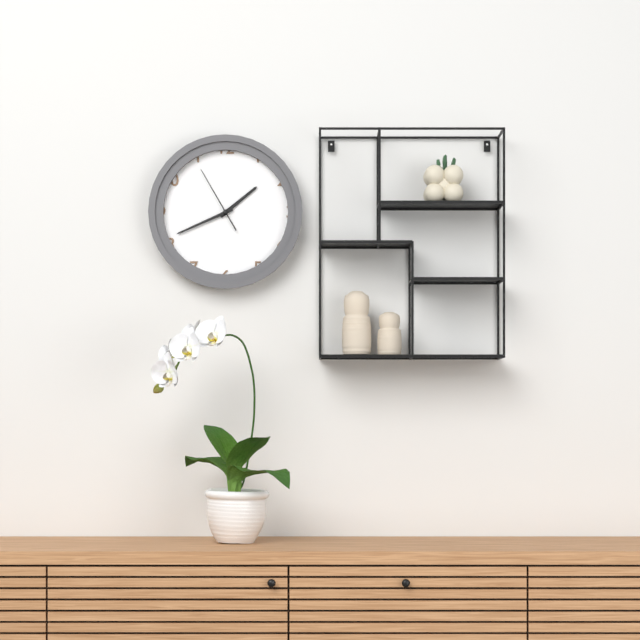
1:41:55
